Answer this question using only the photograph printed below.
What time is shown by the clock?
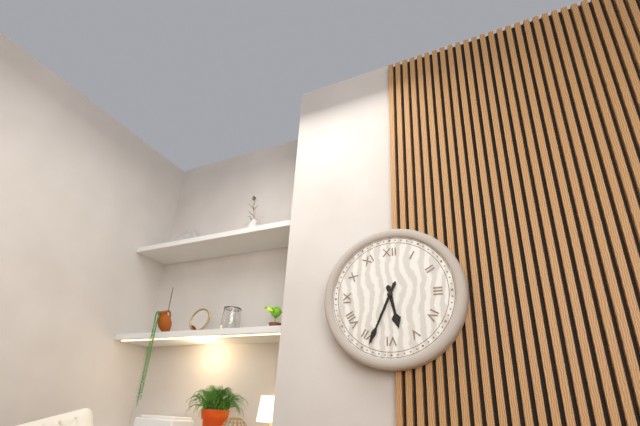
5:34
